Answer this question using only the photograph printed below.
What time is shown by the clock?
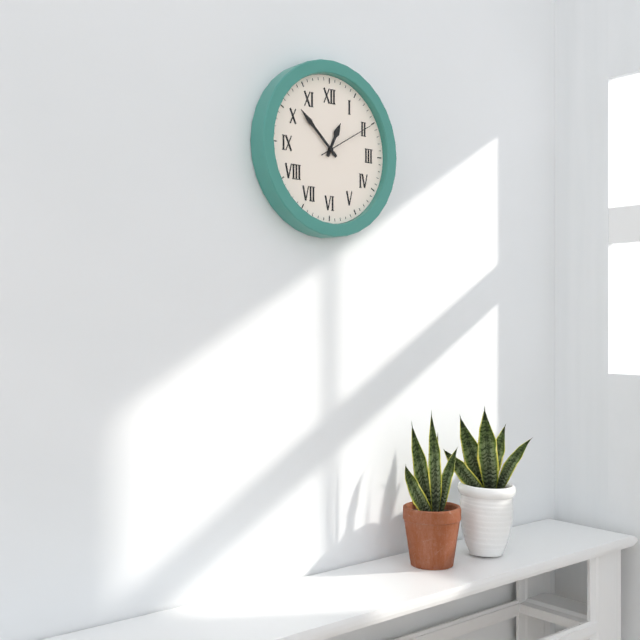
12:52:10
